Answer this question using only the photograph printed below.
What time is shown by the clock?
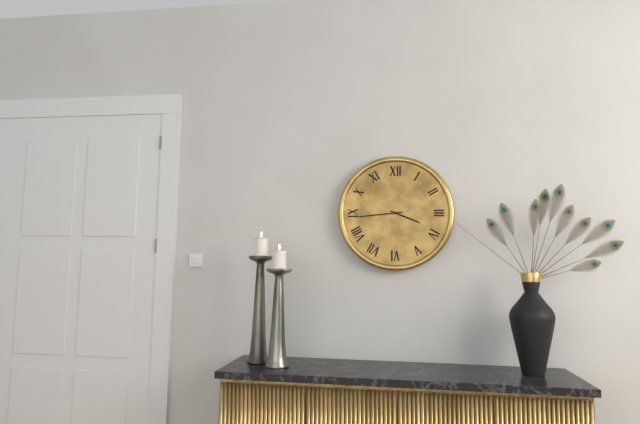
3:44
